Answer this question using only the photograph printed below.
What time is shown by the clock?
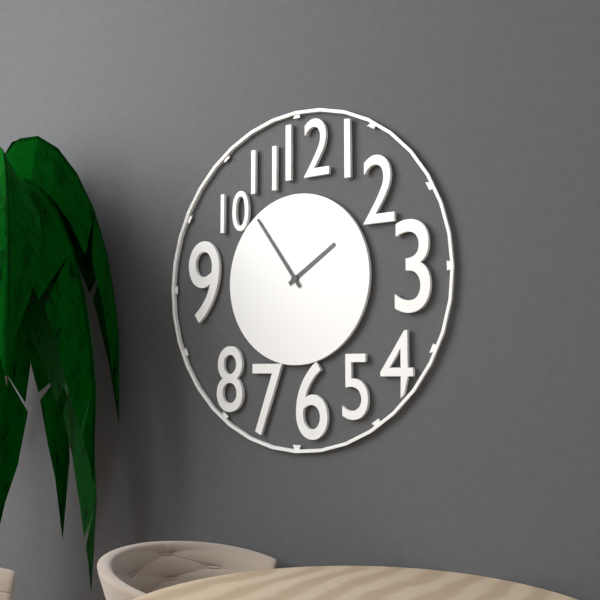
1:54
